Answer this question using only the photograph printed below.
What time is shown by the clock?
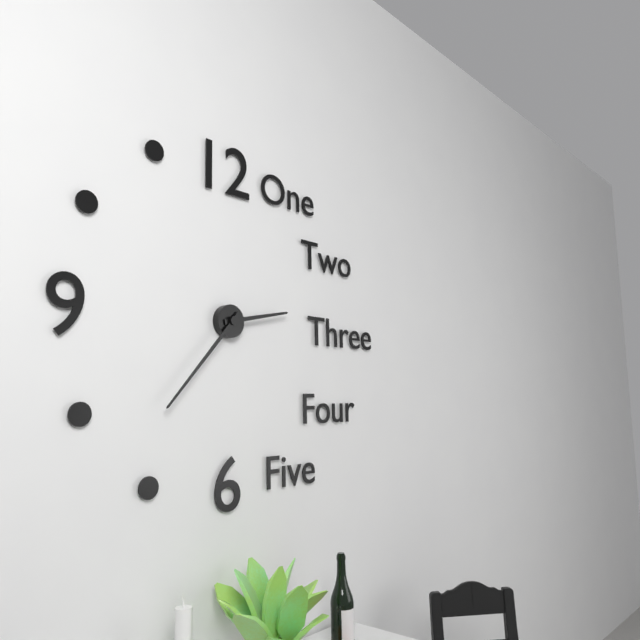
2:37
